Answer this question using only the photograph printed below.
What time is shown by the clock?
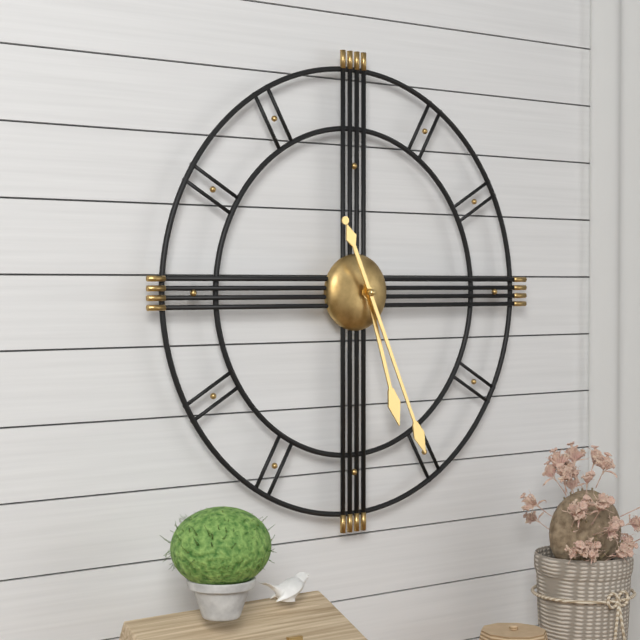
5:26
